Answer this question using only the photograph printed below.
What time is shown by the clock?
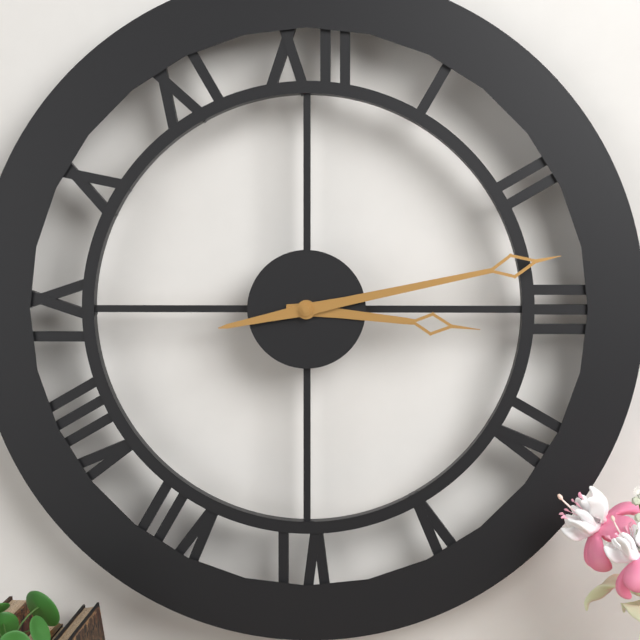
3:13
